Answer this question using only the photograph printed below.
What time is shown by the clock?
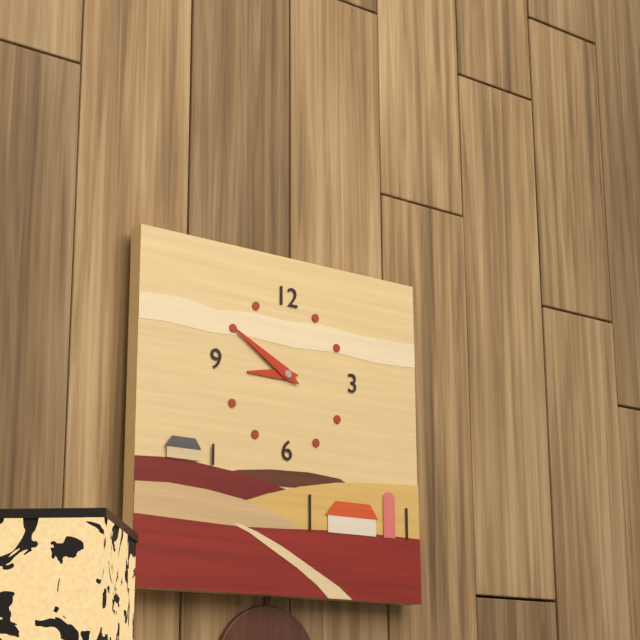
8:50
